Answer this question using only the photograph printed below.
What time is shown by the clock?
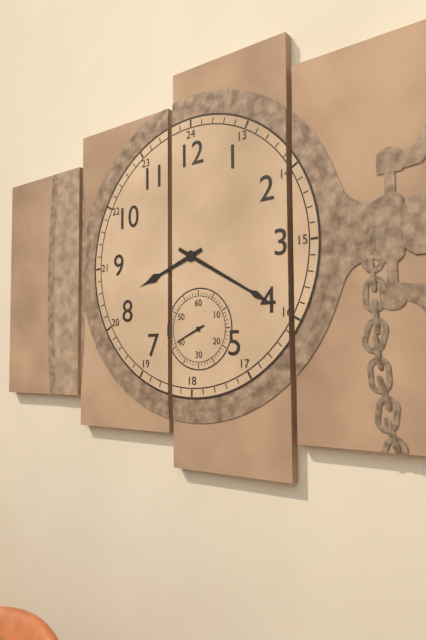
8:20
